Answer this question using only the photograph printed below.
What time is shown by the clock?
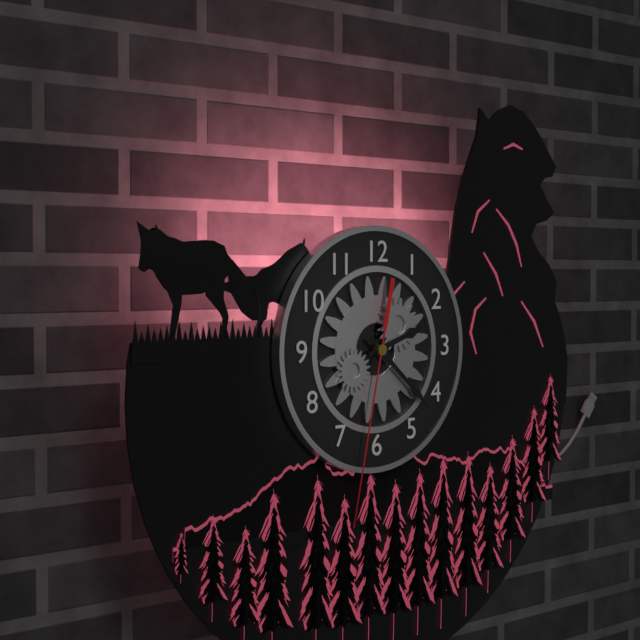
2:22:32
